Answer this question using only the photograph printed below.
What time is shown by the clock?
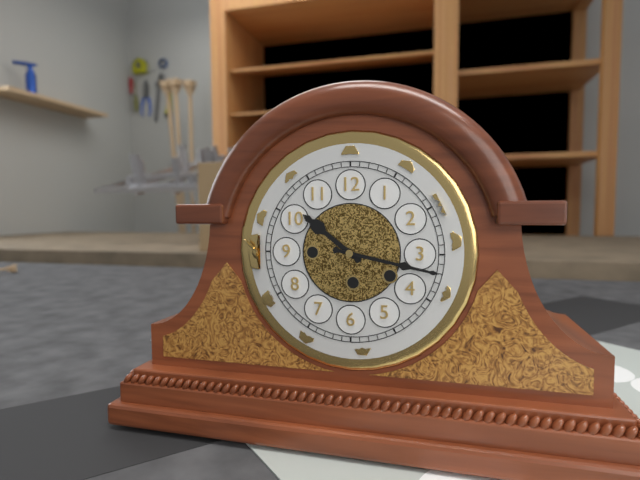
10:17
